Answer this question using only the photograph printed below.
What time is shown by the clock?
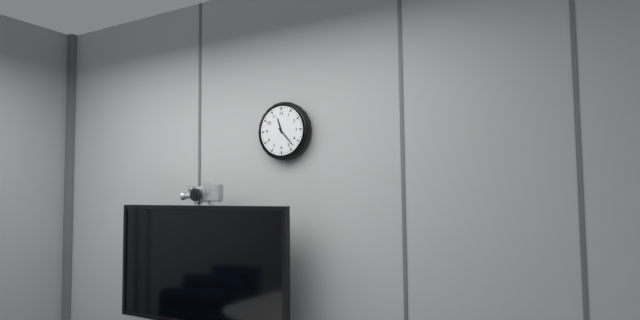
11:23
